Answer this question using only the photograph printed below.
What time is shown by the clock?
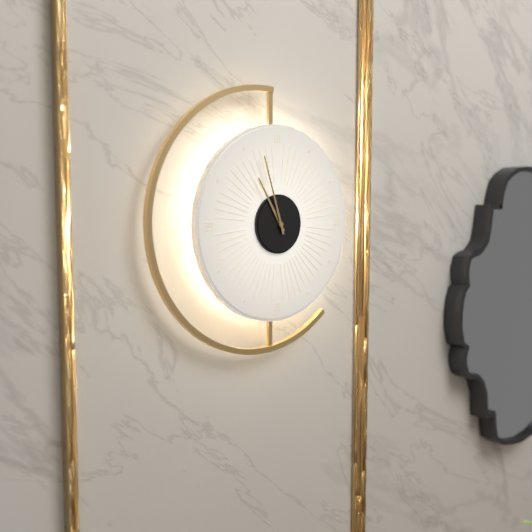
10:57
